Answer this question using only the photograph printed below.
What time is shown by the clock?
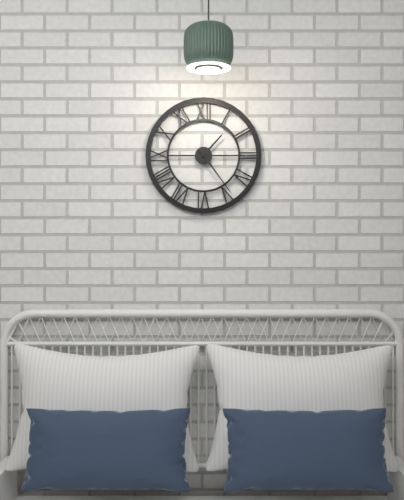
1:24
